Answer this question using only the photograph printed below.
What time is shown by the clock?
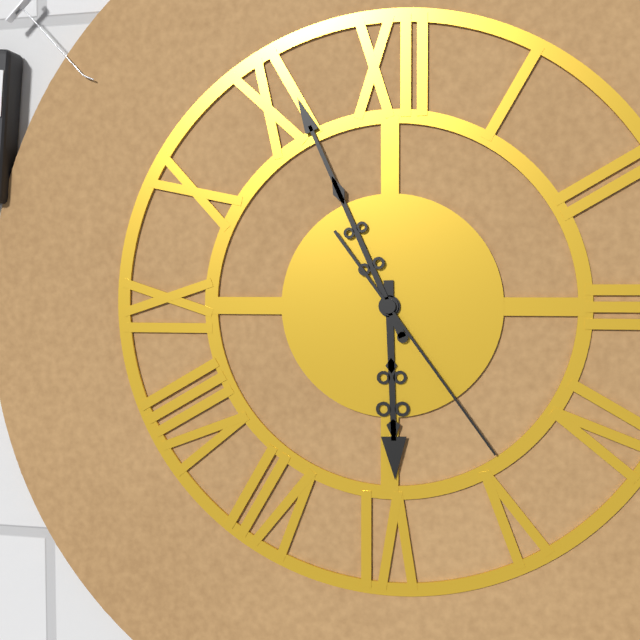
5:56:24
